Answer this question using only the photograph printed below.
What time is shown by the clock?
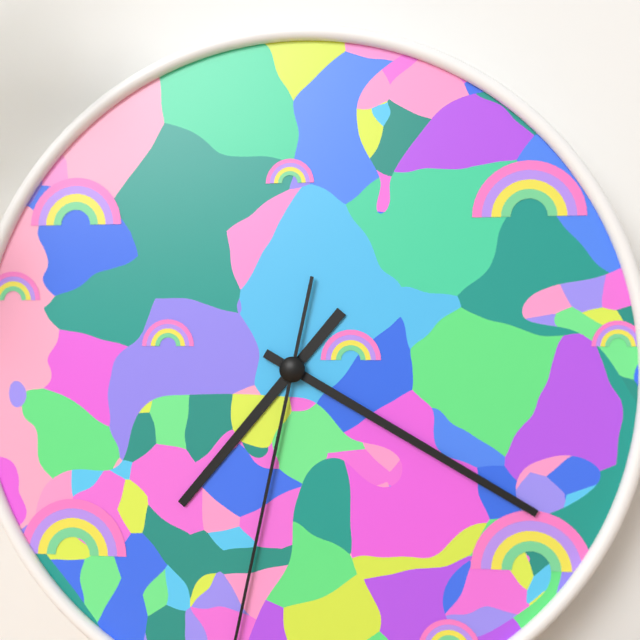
7:20
